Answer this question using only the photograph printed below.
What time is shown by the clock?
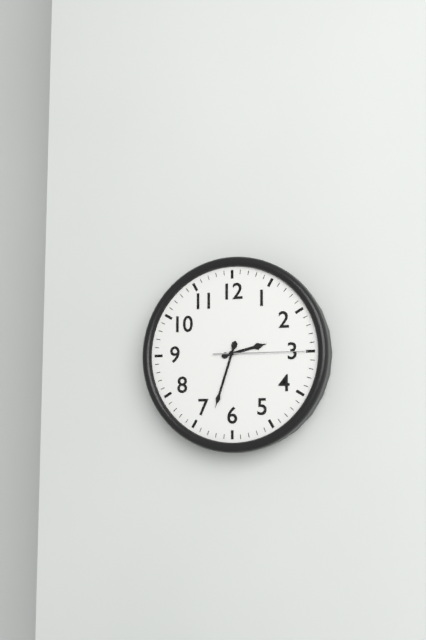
2:33:15
